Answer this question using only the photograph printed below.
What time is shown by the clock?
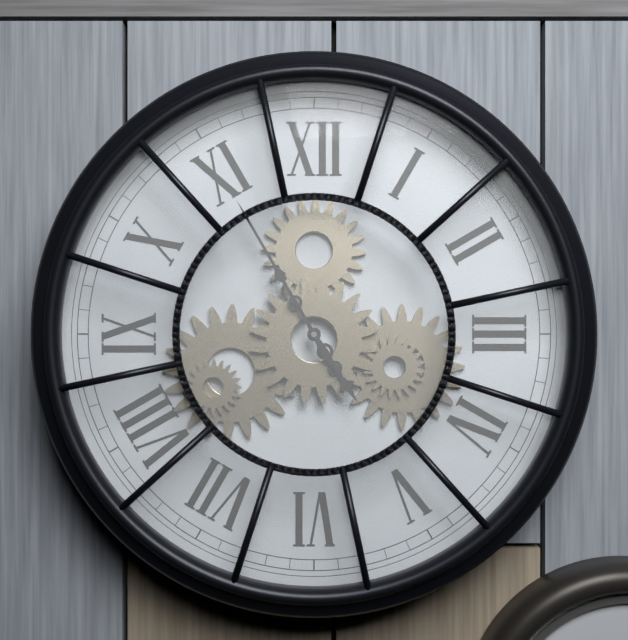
4:55
